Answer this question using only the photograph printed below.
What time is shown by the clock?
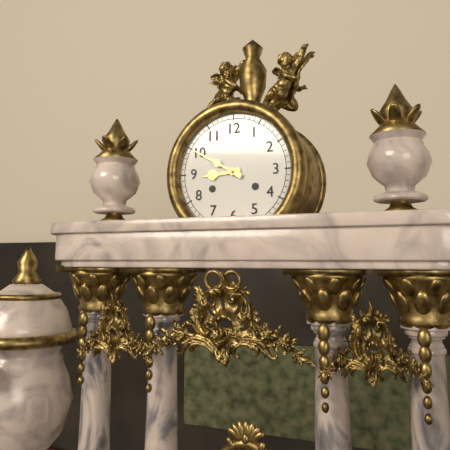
8:50
